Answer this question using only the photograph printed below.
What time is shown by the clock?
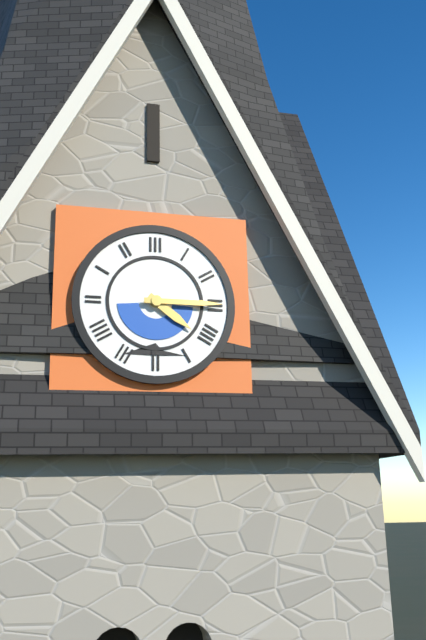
4:15
